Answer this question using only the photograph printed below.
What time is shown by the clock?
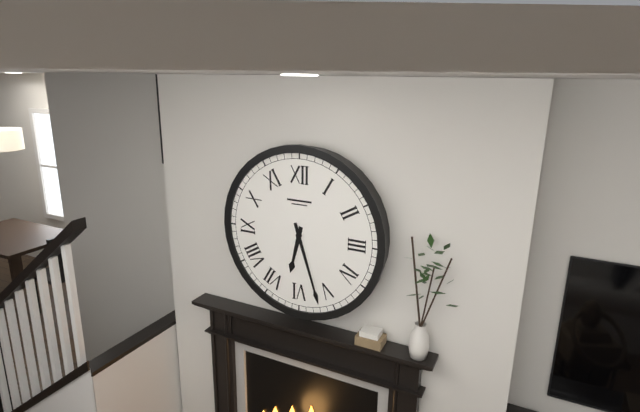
6:27
